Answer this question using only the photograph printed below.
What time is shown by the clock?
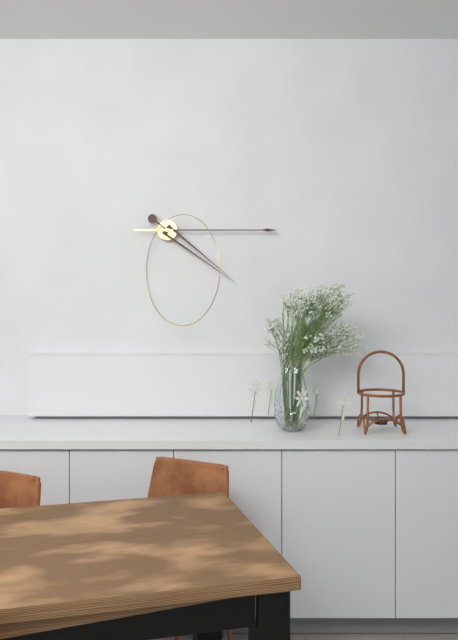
4:15
